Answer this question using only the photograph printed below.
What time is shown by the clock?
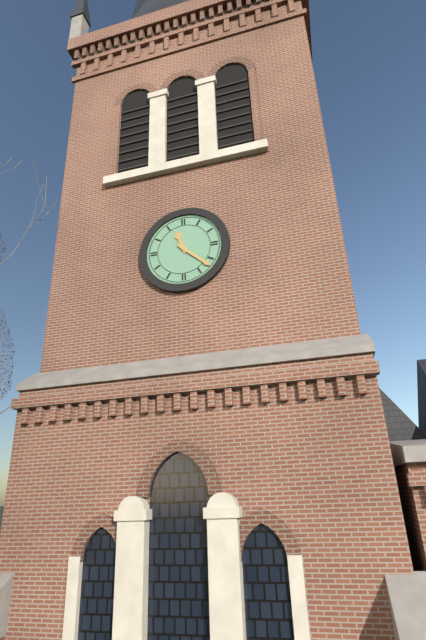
11:22
